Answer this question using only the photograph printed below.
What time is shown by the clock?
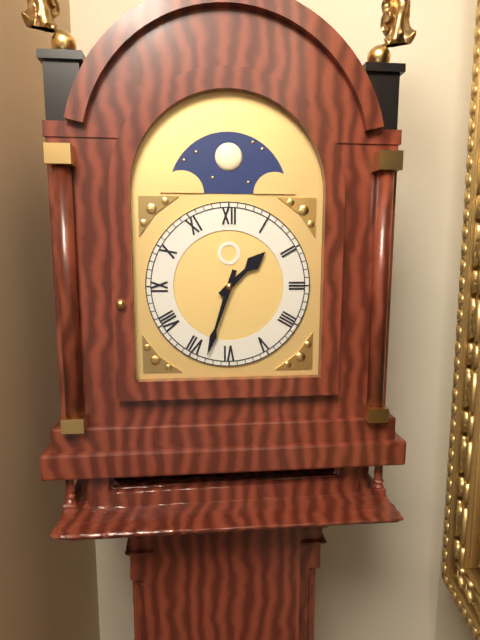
1:33
